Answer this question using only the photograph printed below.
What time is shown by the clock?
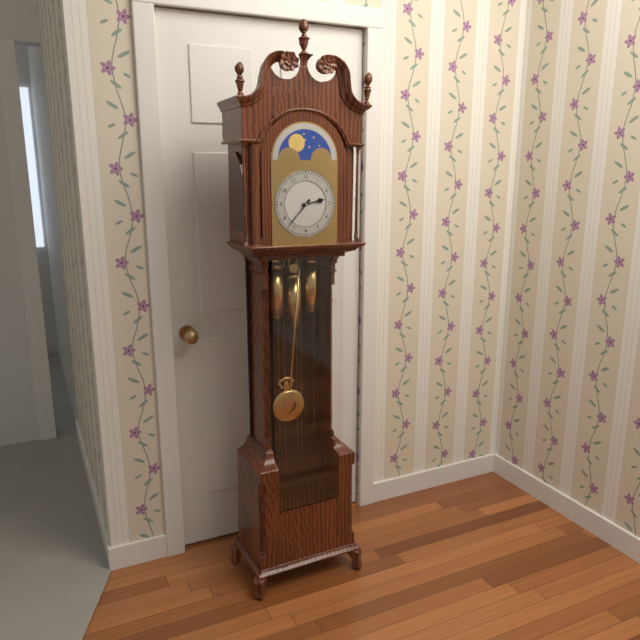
2:37
